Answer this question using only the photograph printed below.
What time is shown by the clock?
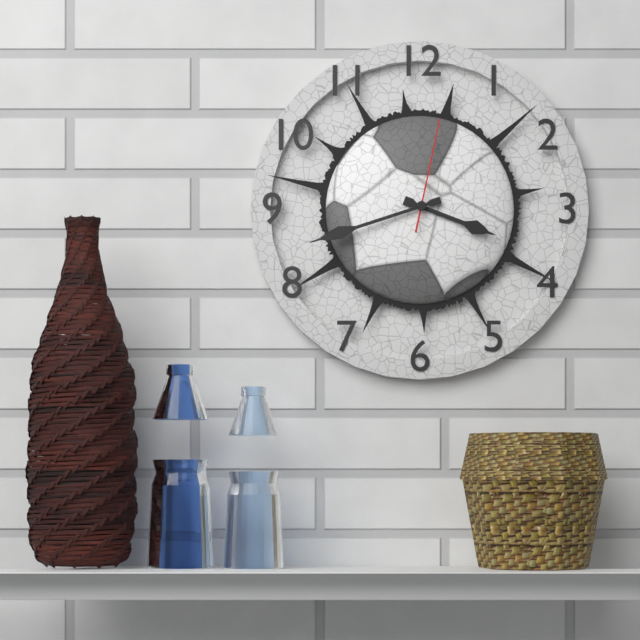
3:42:02
